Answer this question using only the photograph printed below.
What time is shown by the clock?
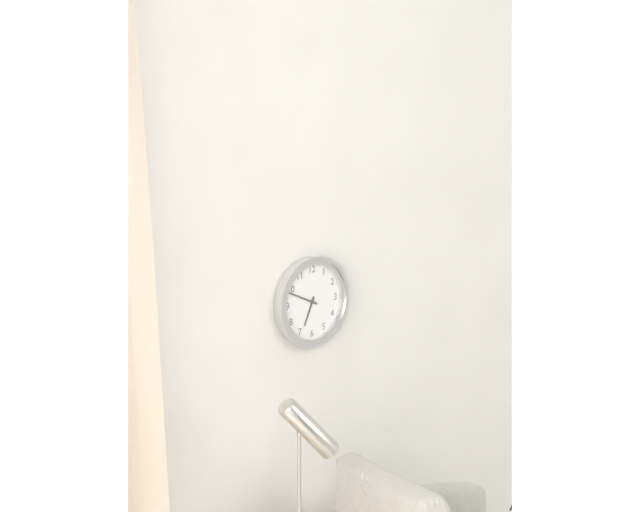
6:49
